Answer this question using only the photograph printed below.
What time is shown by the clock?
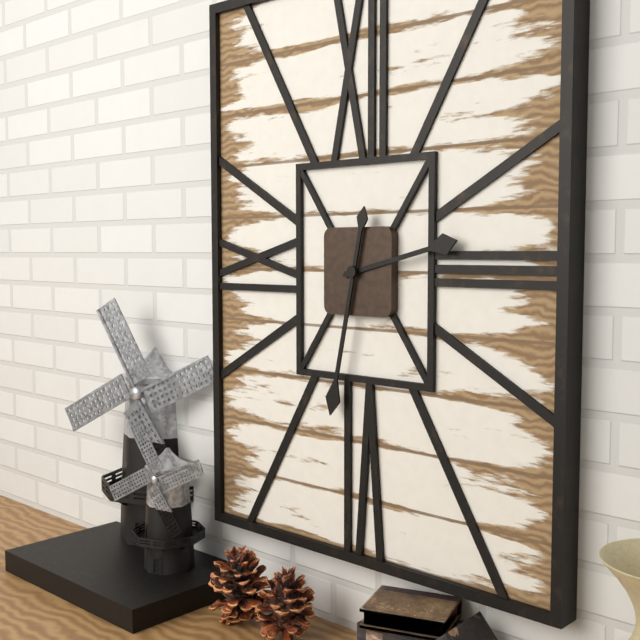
2:32
